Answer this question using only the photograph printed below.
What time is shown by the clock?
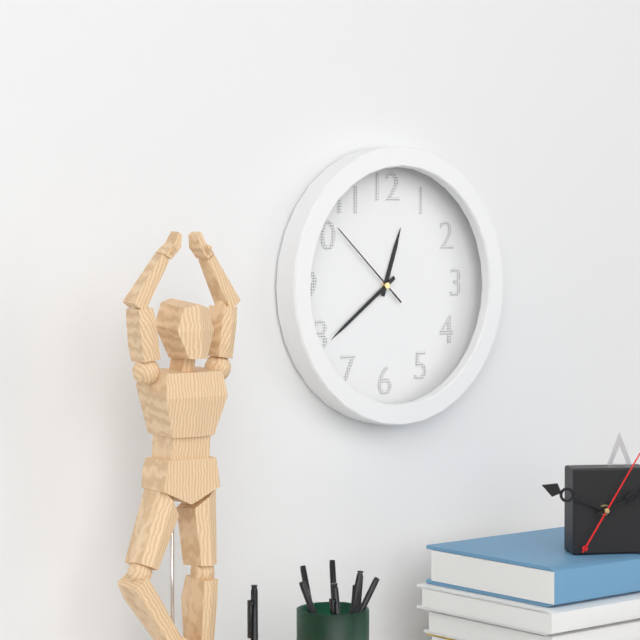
12:39:52
